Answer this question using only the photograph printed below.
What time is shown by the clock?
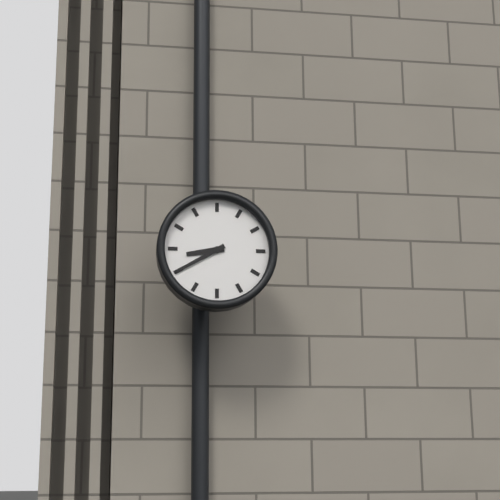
8:40
